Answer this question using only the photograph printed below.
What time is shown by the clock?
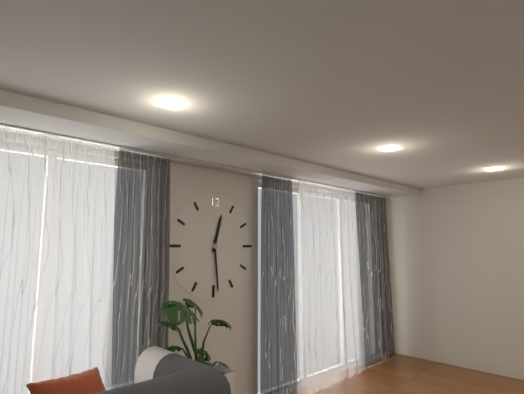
12:29
